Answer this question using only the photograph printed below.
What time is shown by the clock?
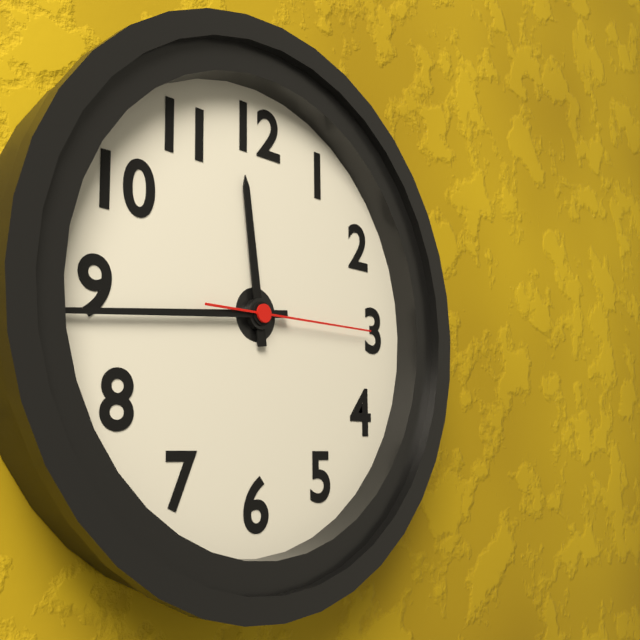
11:44:15
